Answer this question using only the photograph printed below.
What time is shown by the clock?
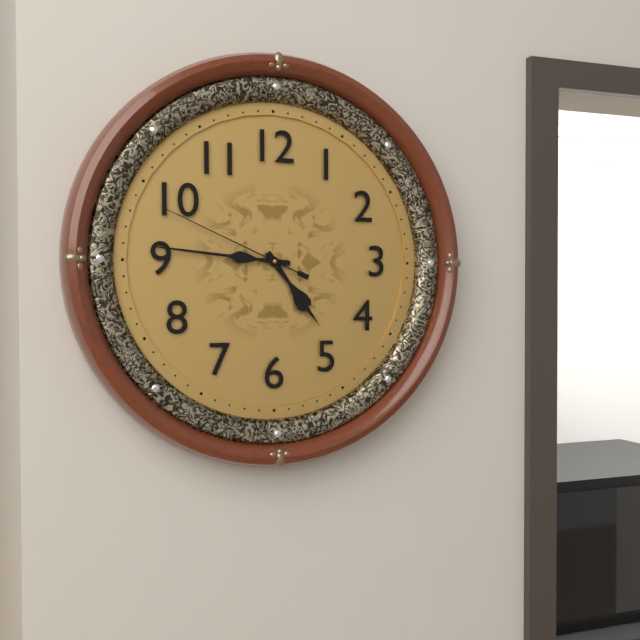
4:46:49
